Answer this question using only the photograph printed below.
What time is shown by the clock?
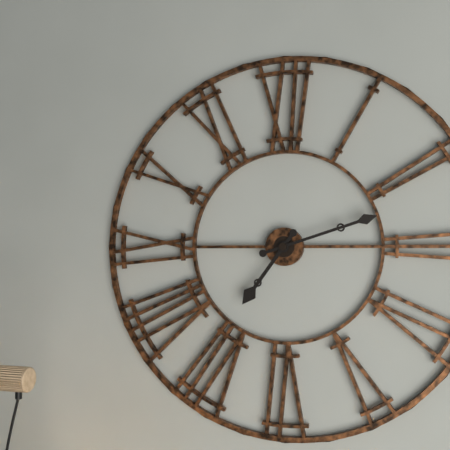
7:12
